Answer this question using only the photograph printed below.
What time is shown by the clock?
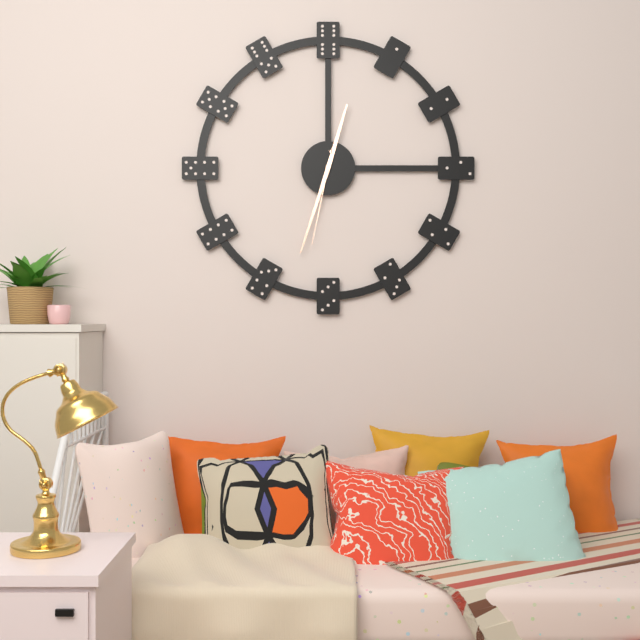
12:33:32
